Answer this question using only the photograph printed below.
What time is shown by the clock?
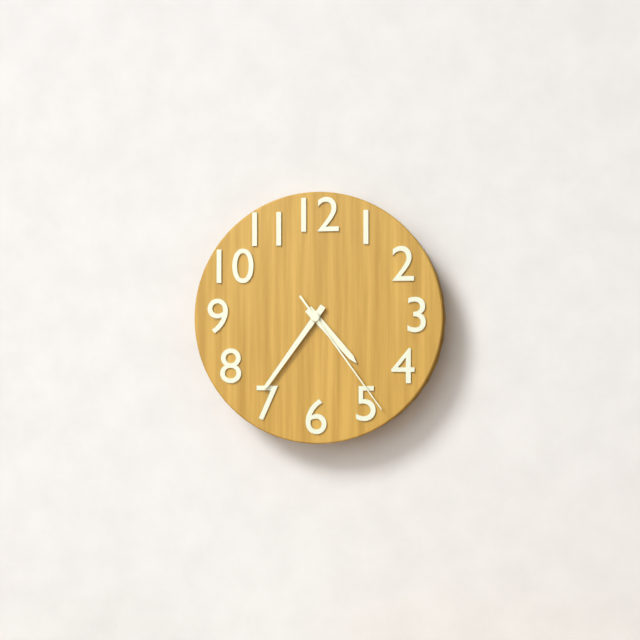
4:36:24
